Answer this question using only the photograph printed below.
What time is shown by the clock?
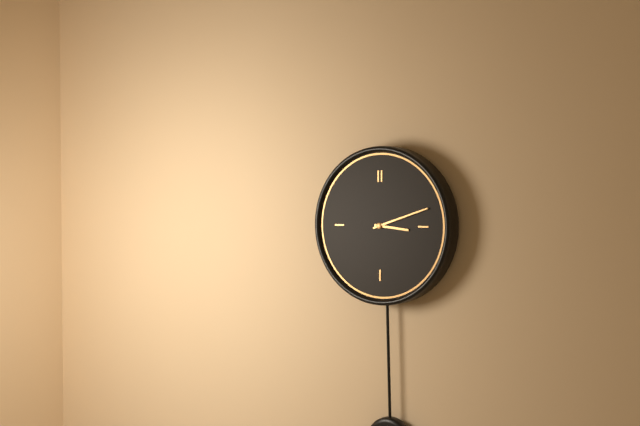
3:12
